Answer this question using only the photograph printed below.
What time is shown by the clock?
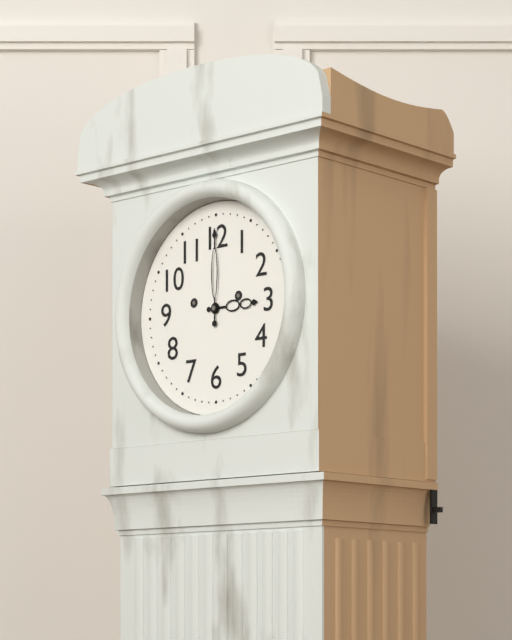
3:00
